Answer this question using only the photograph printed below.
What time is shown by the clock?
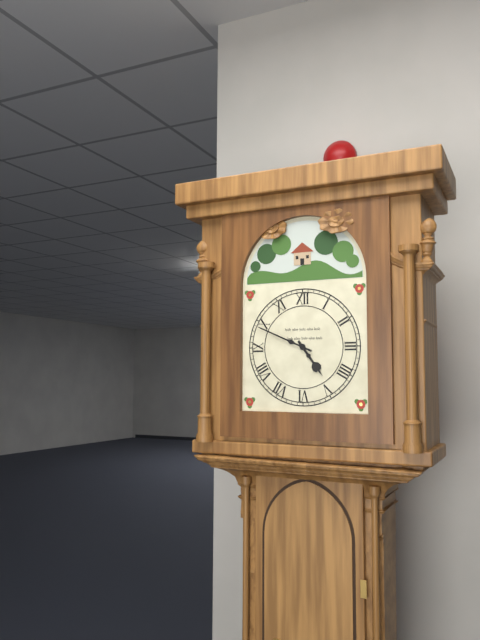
4:49
